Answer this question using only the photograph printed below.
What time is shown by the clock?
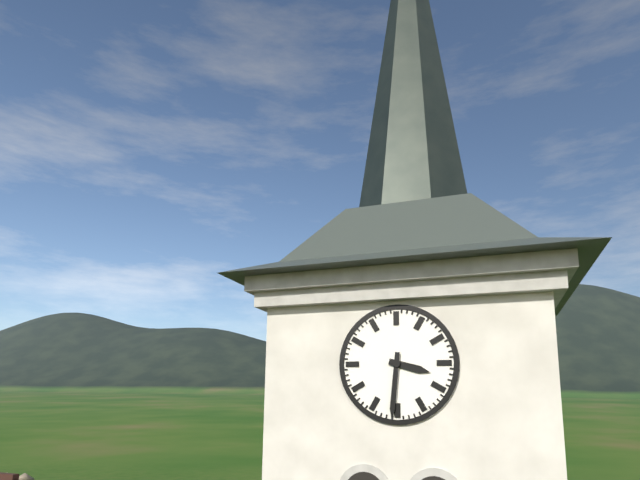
3:31
